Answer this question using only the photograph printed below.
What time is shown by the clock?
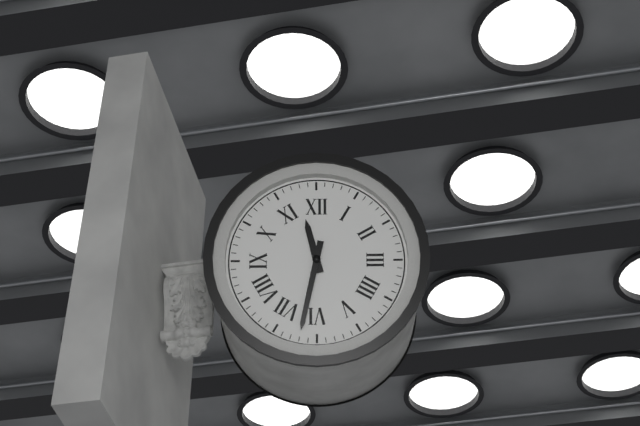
11:32
